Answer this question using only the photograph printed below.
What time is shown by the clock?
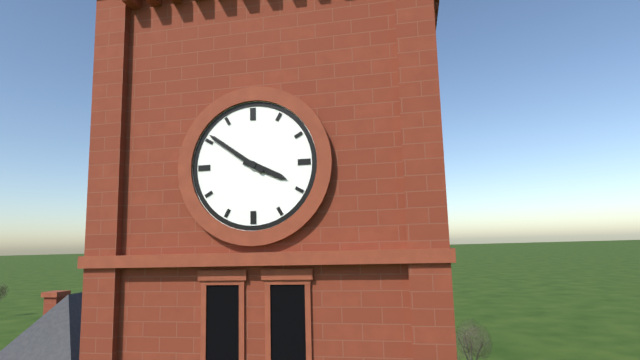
3:51
